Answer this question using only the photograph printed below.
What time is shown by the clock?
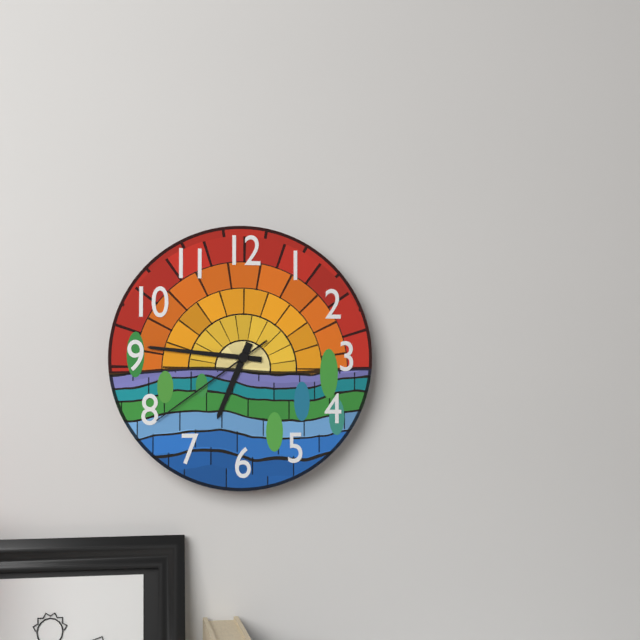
6:46:39
